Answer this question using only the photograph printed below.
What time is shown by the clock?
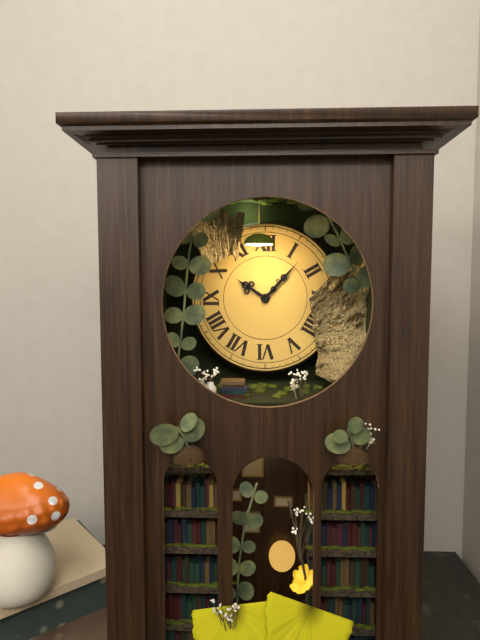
10:07
